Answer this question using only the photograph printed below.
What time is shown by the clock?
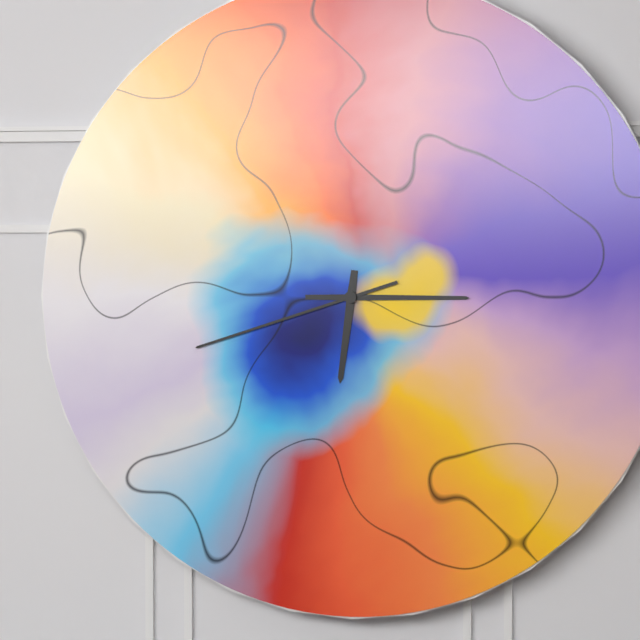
6:15:42
